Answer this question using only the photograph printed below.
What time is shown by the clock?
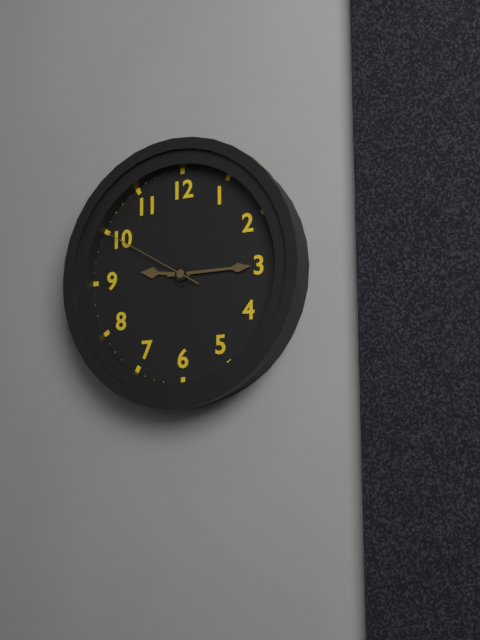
9:15:50
